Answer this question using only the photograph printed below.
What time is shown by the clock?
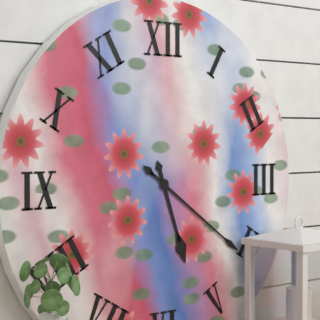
5:21
